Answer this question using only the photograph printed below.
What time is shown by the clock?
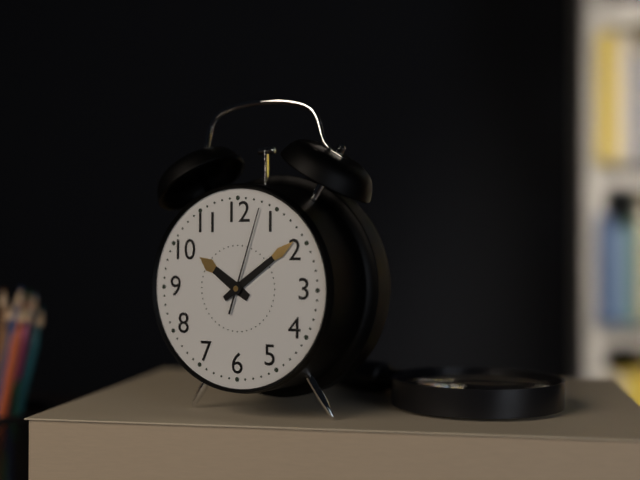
10:09:03
